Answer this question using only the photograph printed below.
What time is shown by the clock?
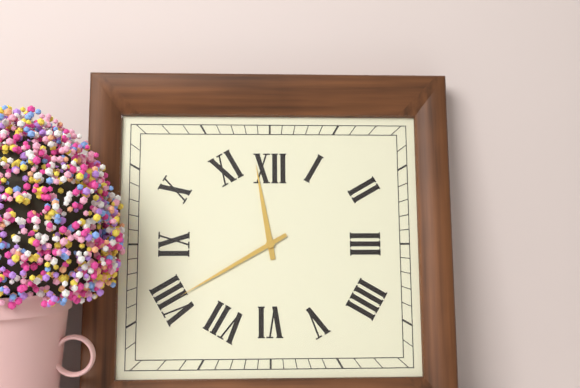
11:40
